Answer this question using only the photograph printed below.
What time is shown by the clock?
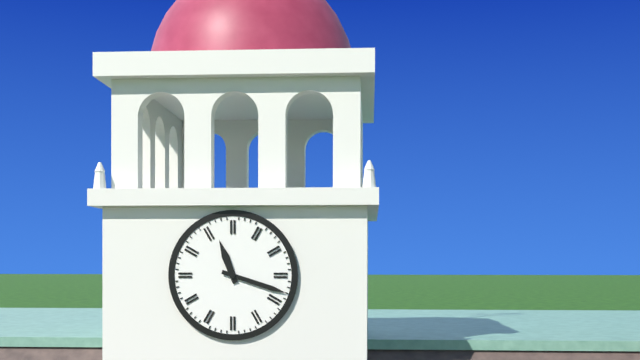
11:18
